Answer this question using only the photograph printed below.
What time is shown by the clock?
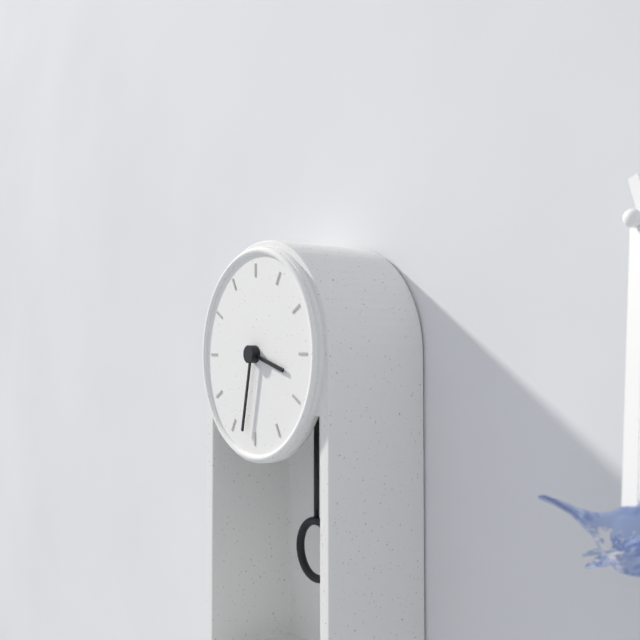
3:32
